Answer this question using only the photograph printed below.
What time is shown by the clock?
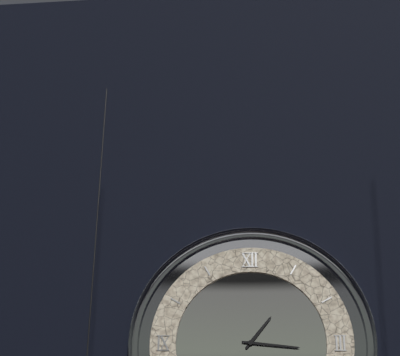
1:16
